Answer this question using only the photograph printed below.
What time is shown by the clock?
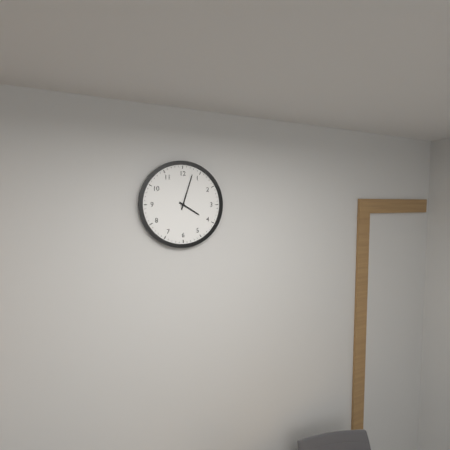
4:03
